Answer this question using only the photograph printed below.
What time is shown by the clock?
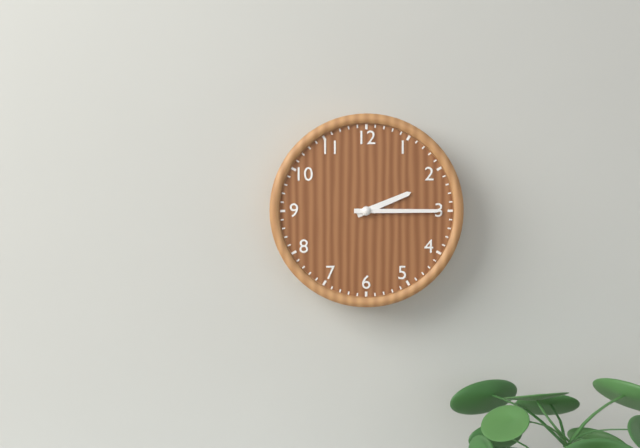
2:15
